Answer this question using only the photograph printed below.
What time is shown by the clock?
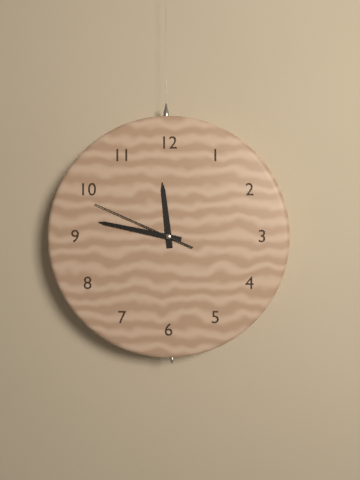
11:47:49
